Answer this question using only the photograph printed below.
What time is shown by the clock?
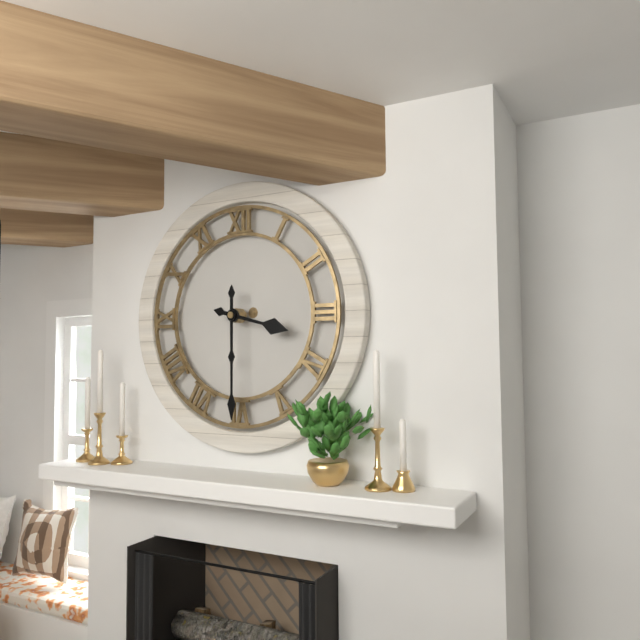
3:30
